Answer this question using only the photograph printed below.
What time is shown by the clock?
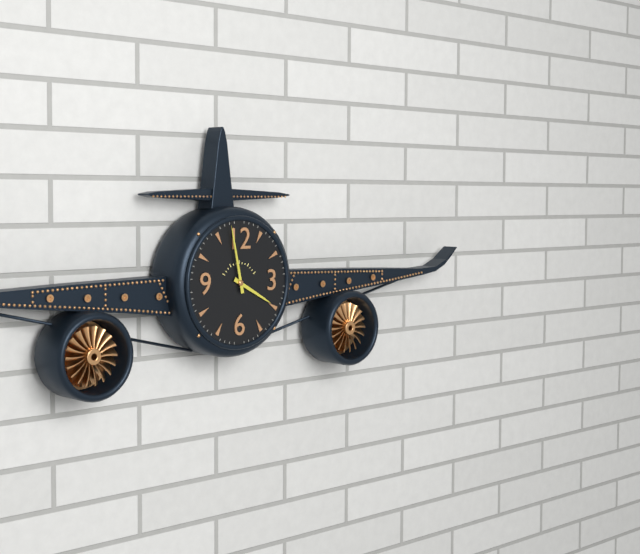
3:58
